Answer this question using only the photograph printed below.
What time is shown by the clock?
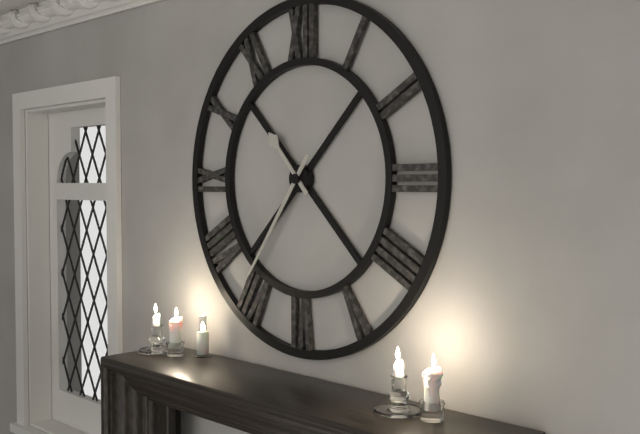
10:36
